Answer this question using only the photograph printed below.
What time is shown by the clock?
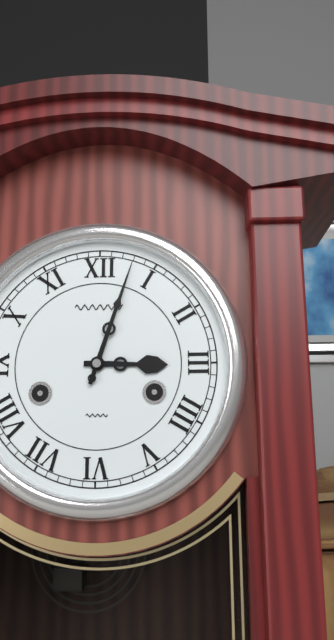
3:03
